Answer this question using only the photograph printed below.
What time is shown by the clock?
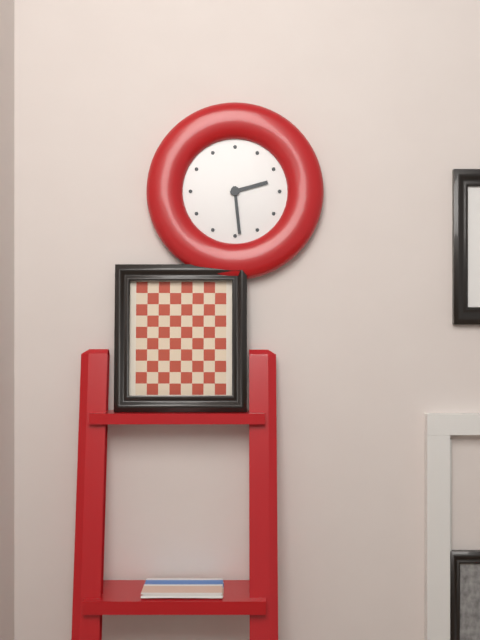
2:29
